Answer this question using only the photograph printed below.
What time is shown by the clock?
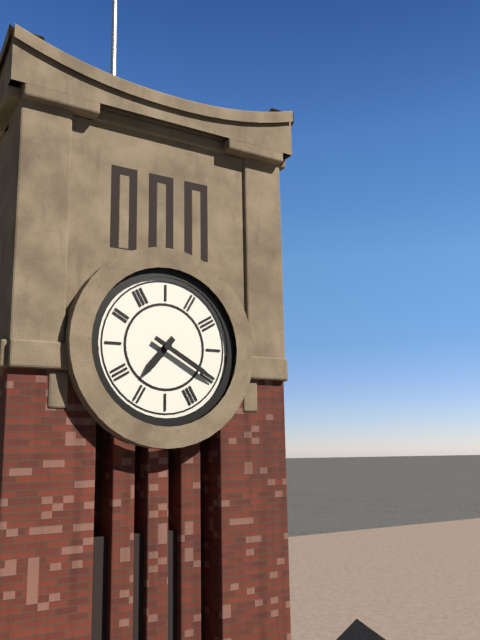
7:20
